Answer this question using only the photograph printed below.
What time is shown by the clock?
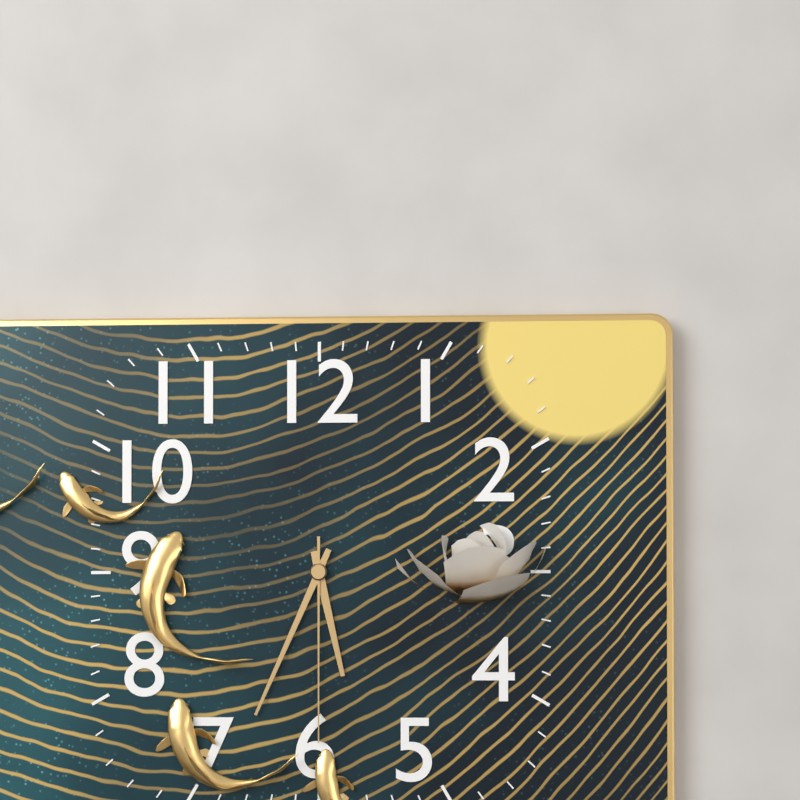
5:34:30
